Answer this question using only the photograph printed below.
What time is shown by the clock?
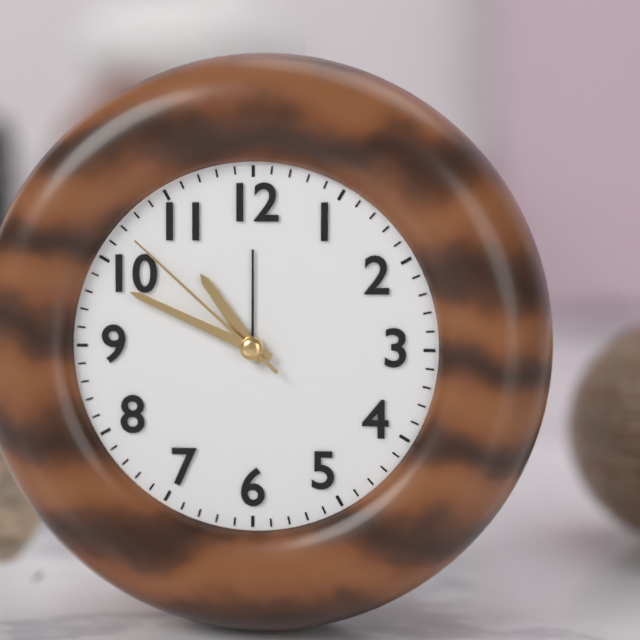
10:49:52
